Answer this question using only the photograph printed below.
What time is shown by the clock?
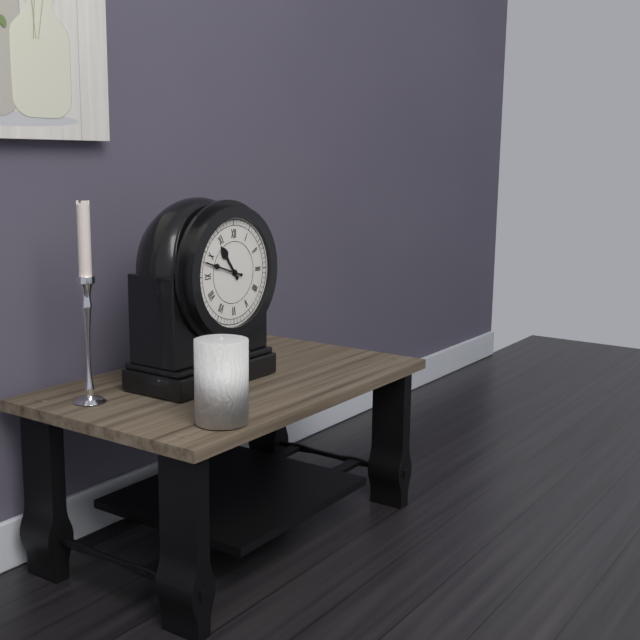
10:48
